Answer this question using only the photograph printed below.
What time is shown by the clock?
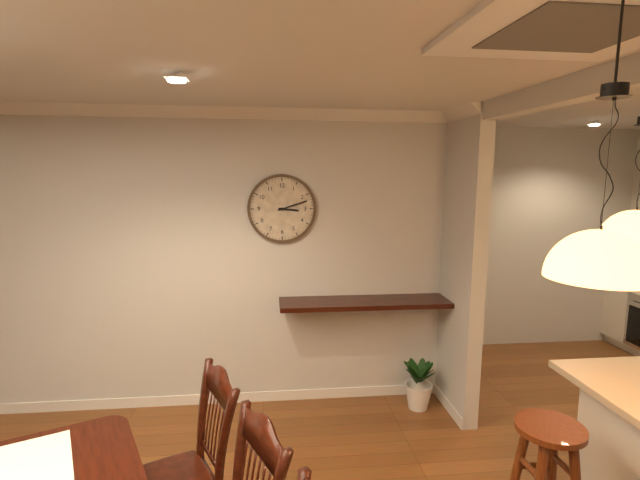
3:12
